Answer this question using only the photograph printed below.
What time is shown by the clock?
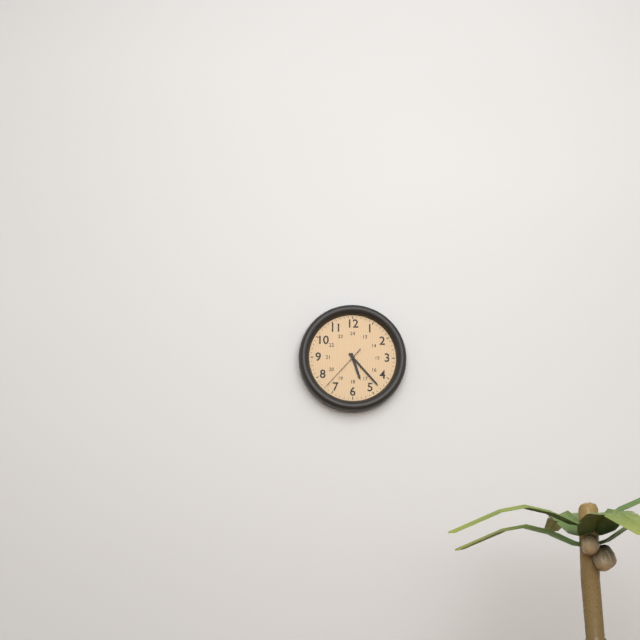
5:23
